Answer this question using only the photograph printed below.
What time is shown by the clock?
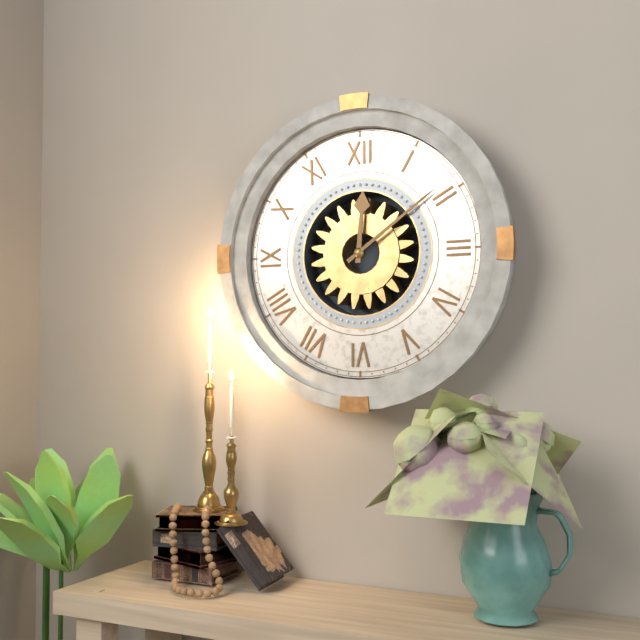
12:09
